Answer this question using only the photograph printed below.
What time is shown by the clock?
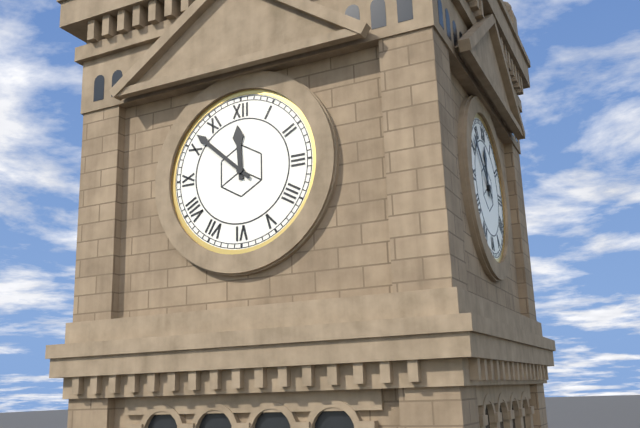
11:52
